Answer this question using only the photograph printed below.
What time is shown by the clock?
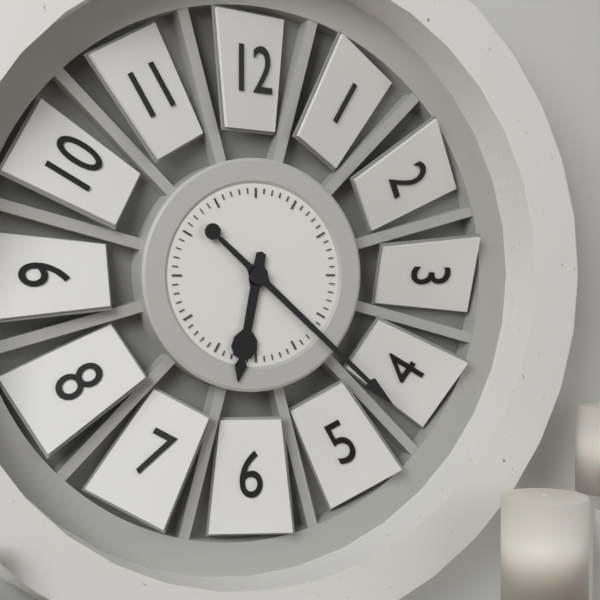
6:22
